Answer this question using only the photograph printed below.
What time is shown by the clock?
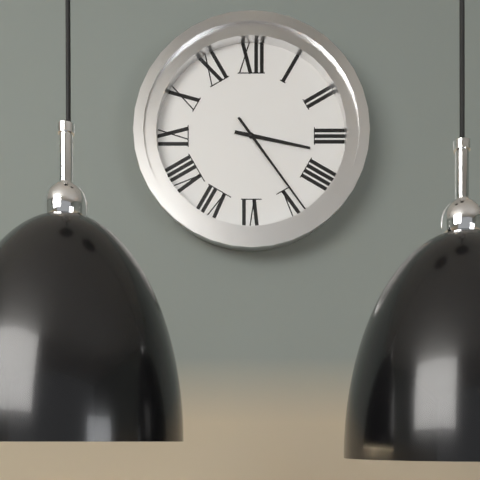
3:24
